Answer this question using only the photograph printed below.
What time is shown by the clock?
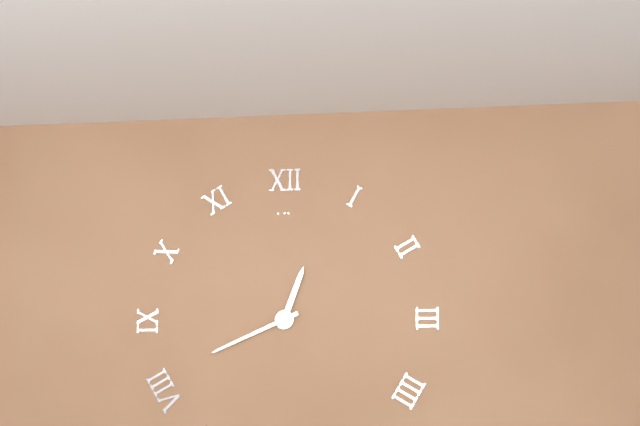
12:41
